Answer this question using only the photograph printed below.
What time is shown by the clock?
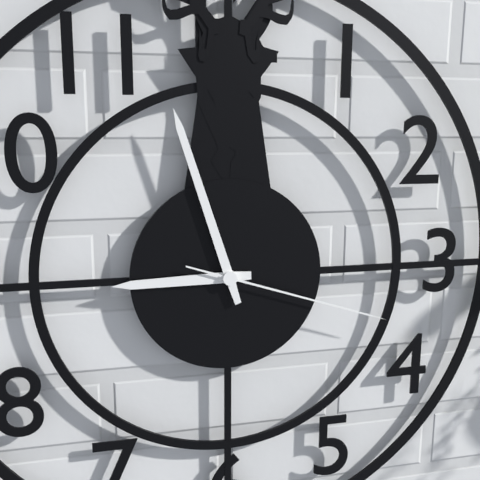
8:57:18
